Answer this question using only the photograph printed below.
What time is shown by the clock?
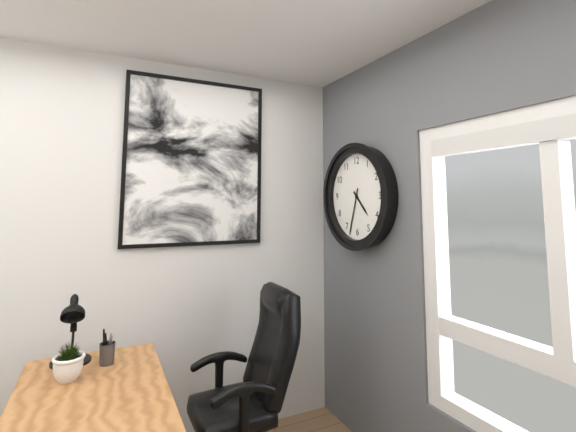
4:33
